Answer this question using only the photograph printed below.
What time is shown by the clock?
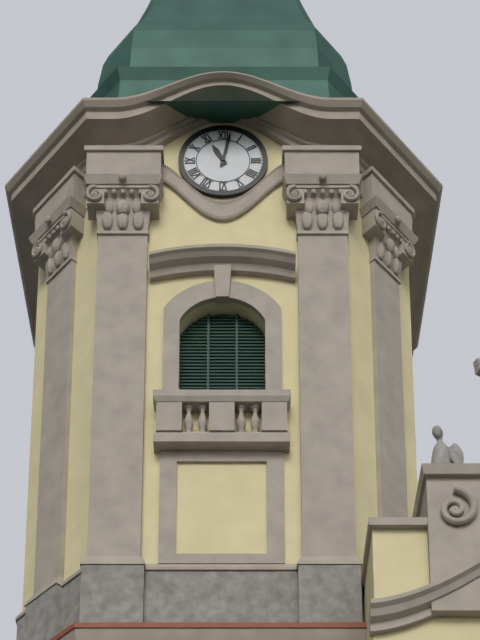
11:02
